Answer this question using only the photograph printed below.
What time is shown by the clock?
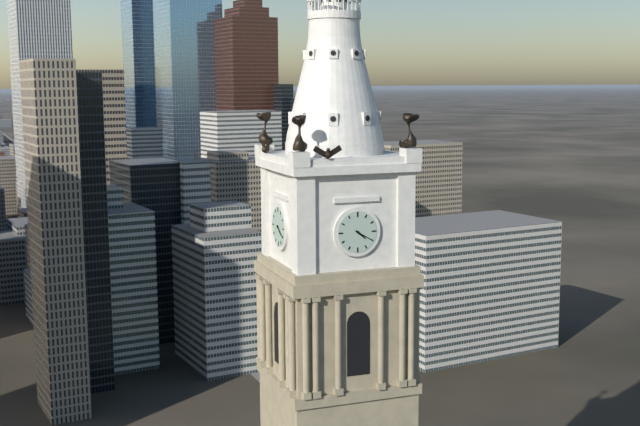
4:20
